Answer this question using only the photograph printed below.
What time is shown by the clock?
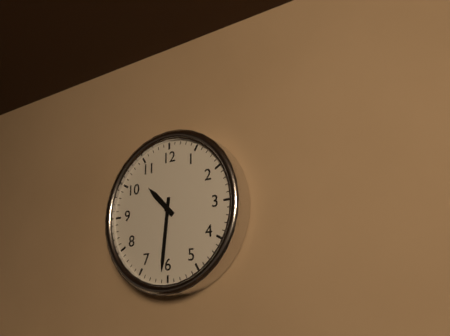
10:31
